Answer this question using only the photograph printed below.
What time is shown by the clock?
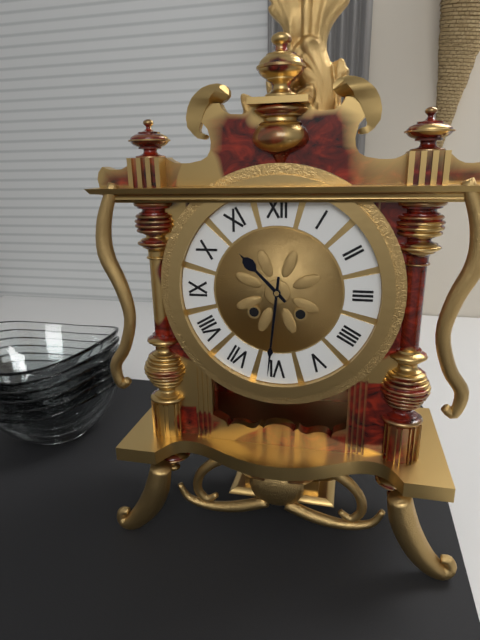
10:31
